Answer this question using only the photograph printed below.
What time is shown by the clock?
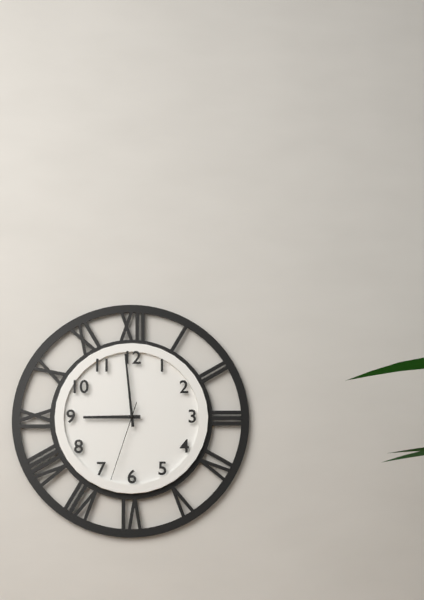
8:59:33
